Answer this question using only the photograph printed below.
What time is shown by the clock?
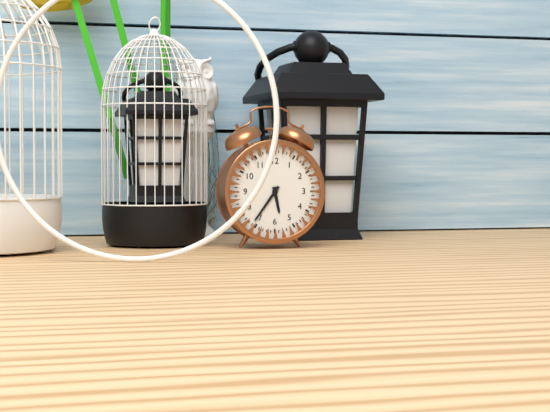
5:36
